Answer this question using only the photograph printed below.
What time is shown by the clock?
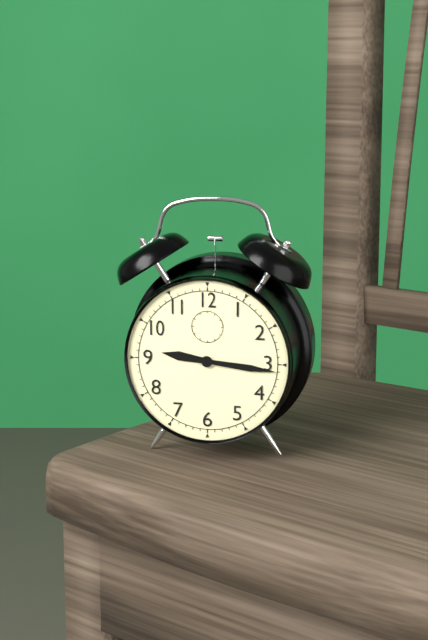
9:16
